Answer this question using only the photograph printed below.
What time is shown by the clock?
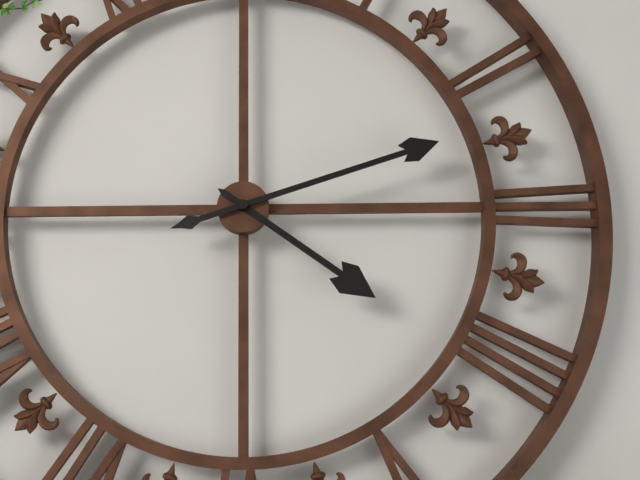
4:12
